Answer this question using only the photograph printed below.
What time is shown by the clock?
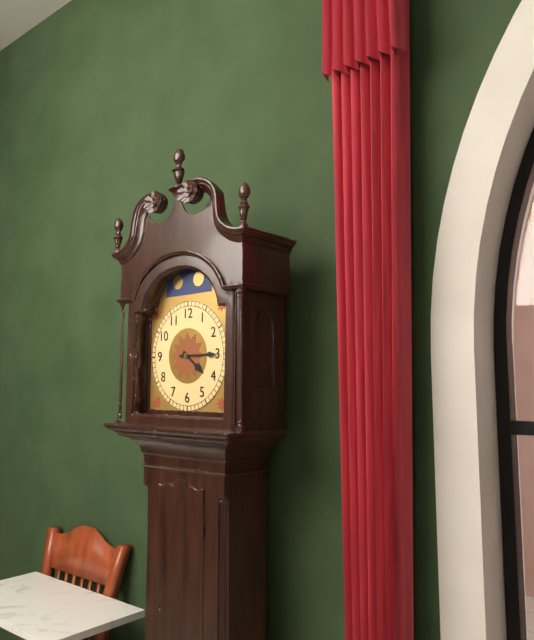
4:15
